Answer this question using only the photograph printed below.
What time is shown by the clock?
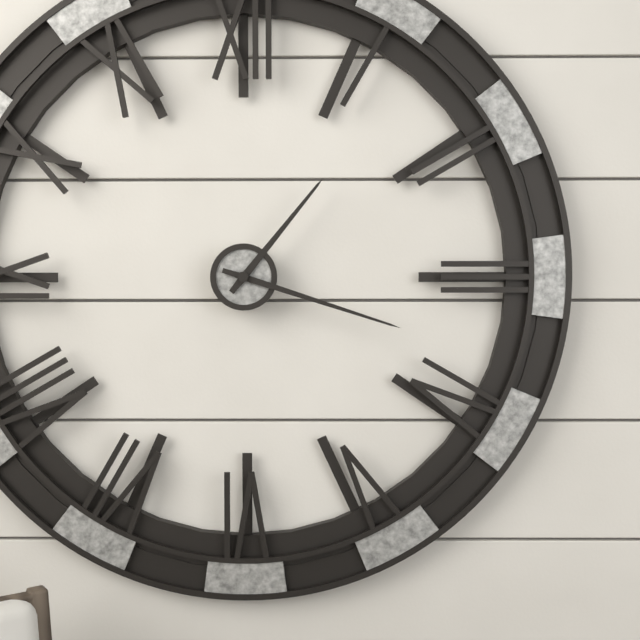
1:18
